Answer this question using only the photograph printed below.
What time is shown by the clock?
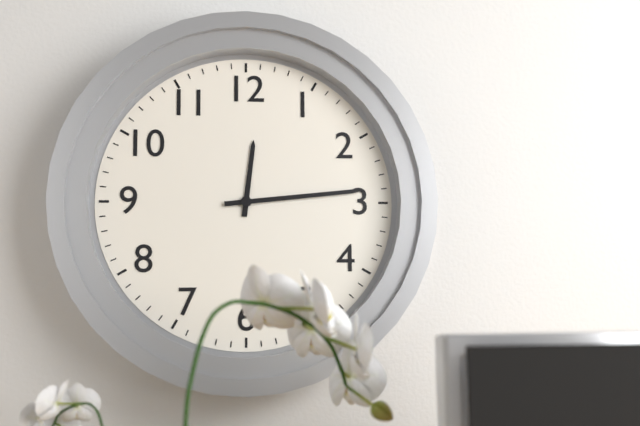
12:14
